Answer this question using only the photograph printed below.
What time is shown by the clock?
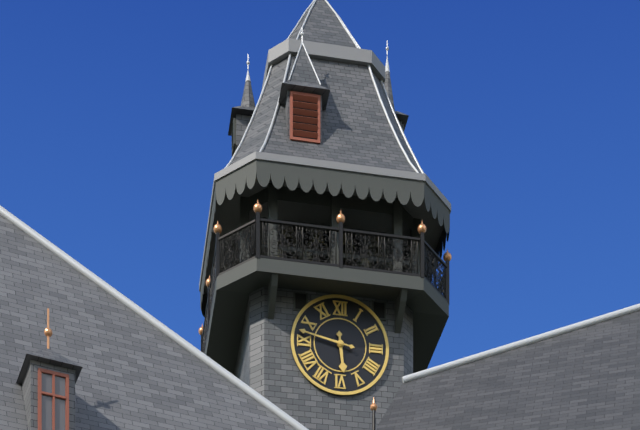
5:47
